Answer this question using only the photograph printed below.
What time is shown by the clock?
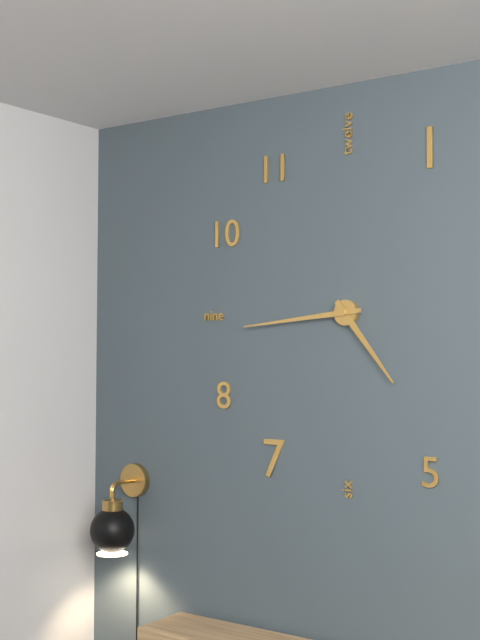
4:44
